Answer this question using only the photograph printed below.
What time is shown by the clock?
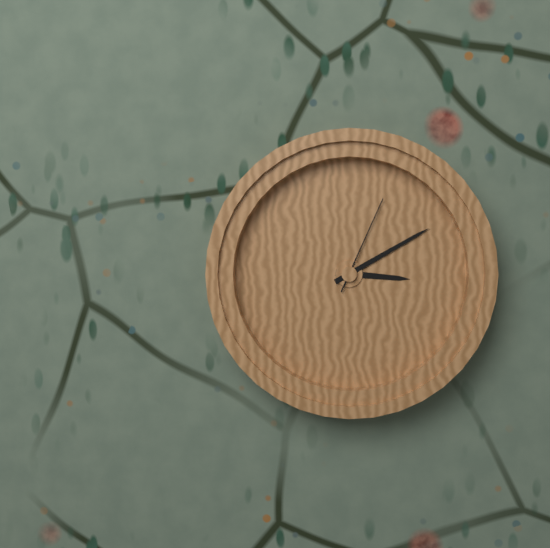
3:10:04
